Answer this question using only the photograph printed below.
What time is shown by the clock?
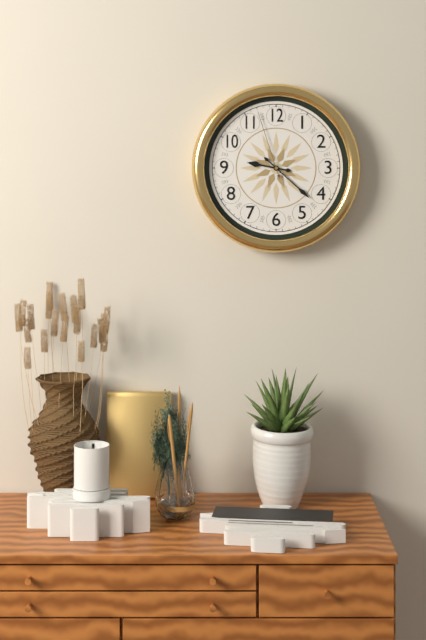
9:22:57
